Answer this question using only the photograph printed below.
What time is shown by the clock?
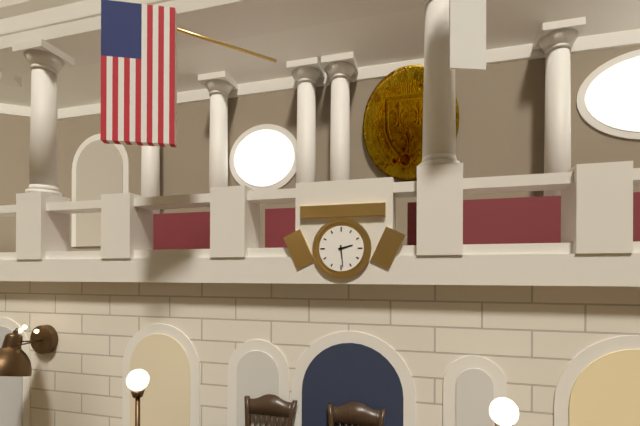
2:29
